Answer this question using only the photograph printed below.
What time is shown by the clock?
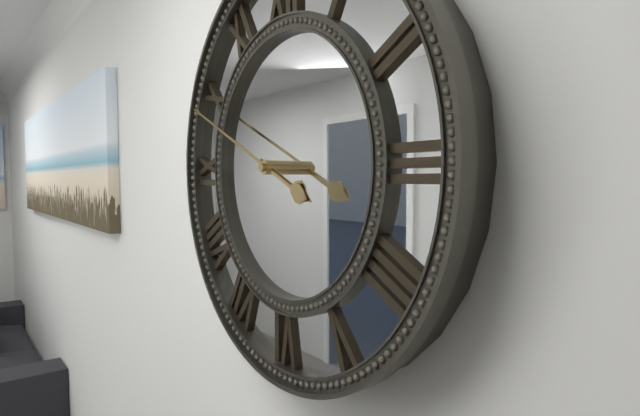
3:49
